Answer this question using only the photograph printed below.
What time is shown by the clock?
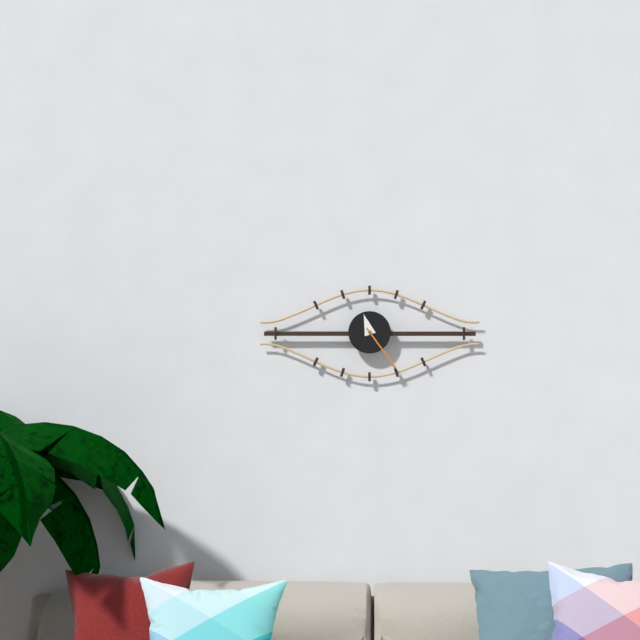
11:24
